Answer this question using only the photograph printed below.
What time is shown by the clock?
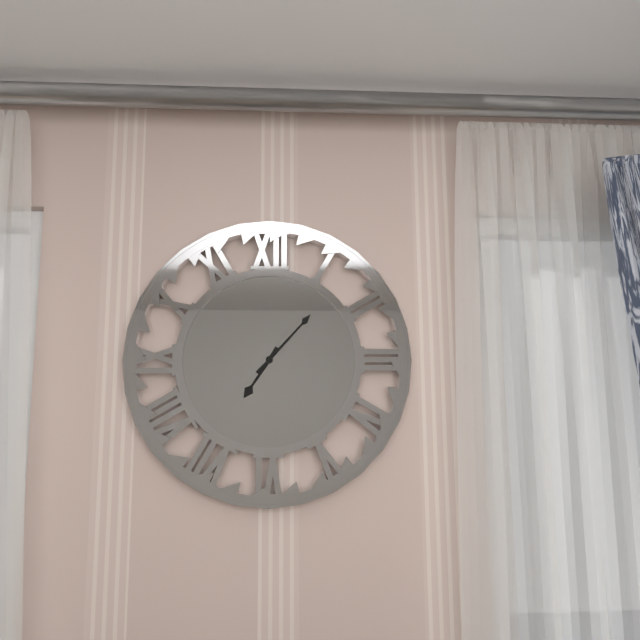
7:07
